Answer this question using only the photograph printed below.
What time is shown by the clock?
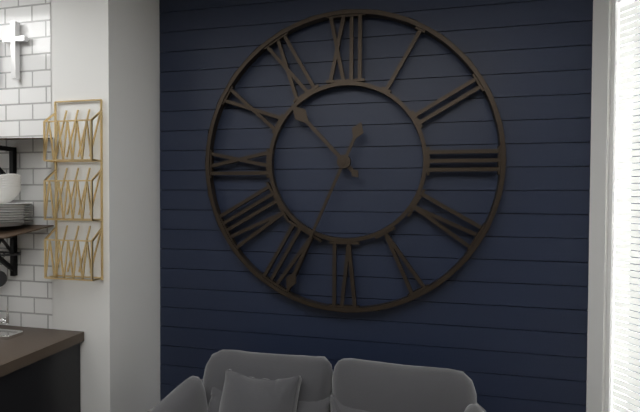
10:34
